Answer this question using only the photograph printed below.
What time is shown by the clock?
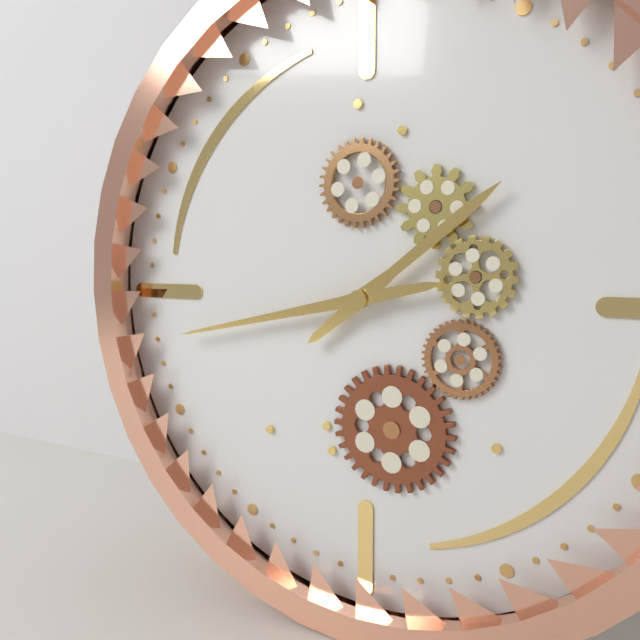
1:43
